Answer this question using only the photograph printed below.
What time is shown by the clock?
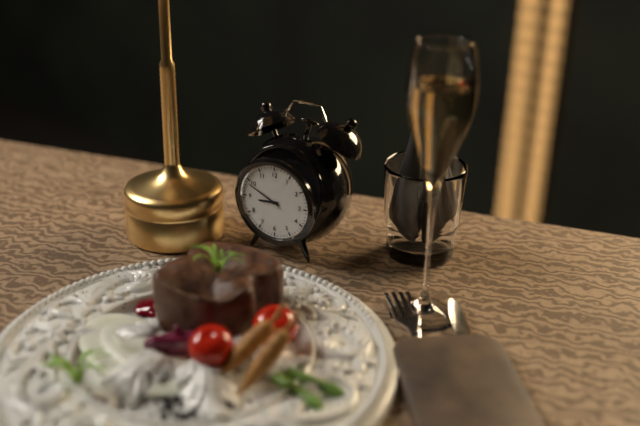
8:49
